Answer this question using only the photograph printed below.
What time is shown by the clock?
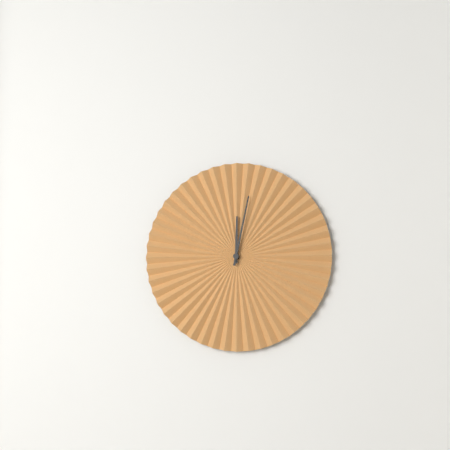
12:02
